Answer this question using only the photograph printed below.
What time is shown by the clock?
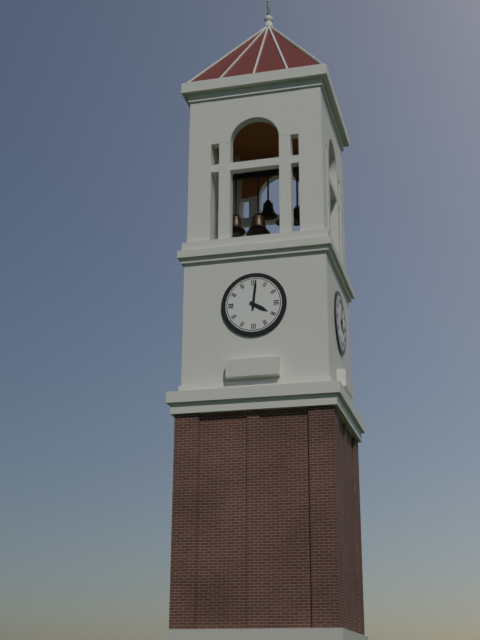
4:01
